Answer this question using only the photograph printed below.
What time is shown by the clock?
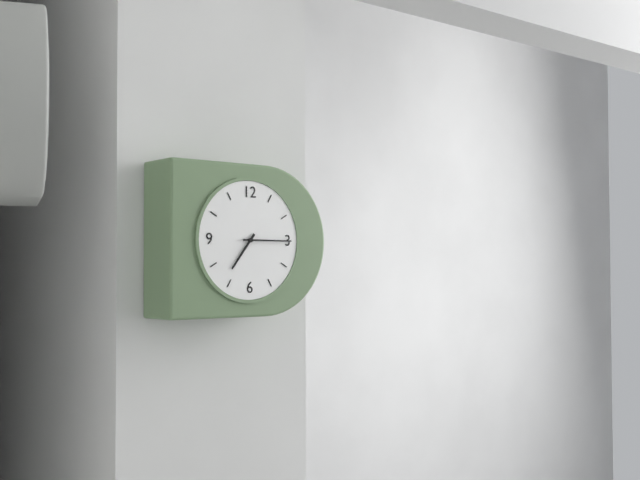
7:15
